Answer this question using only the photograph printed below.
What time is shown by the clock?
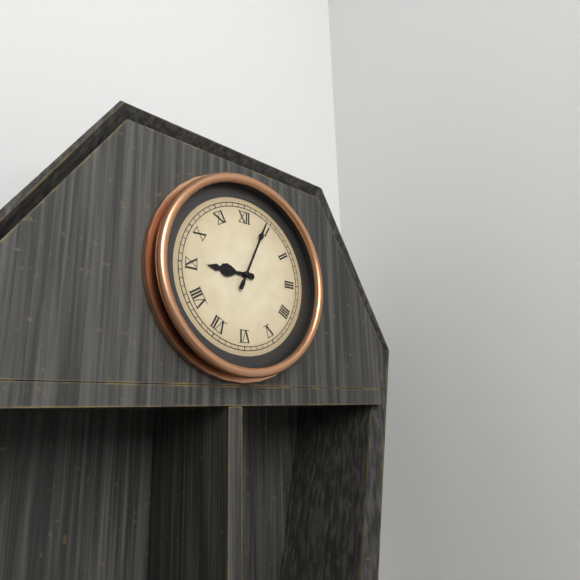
9:04
